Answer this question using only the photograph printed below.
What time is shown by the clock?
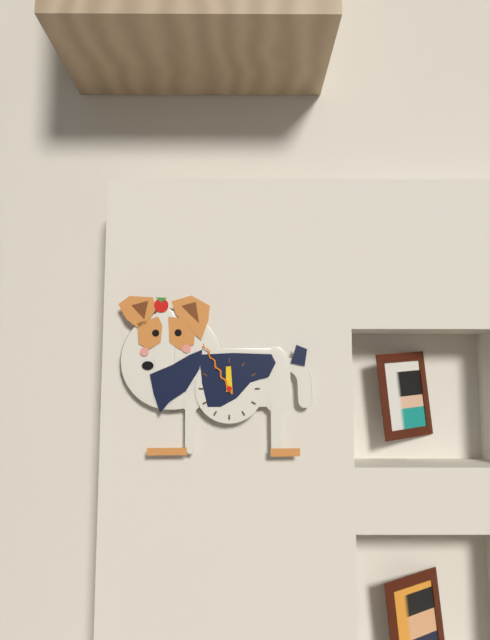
11:55
